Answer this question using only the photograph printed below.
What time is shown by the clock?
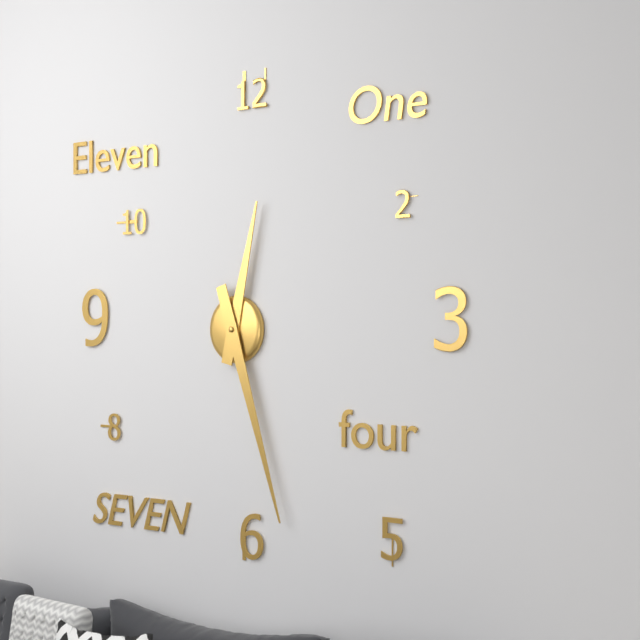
12:27
